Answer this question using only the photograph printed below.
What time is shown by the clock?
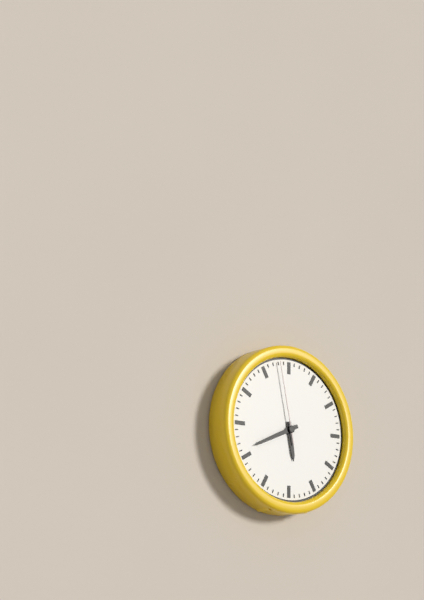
5:41:58
